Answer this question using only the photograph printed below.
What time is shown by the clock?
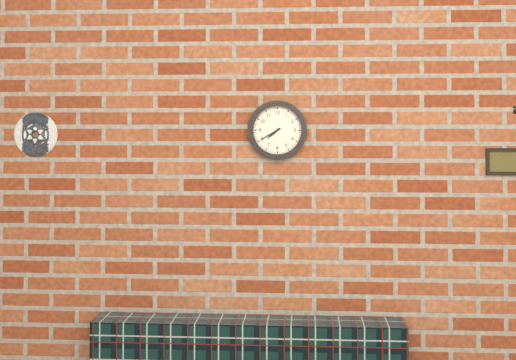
7:40
